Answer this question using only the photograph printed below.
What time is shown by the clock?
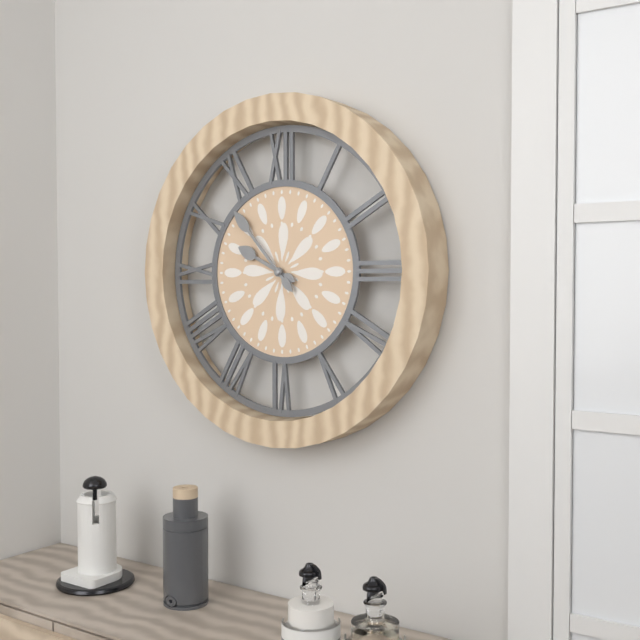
9:53
